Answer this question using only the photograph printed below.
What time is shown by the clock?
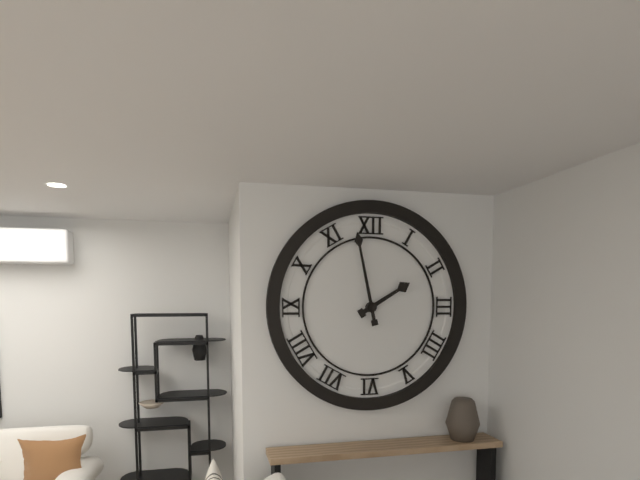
1:58
